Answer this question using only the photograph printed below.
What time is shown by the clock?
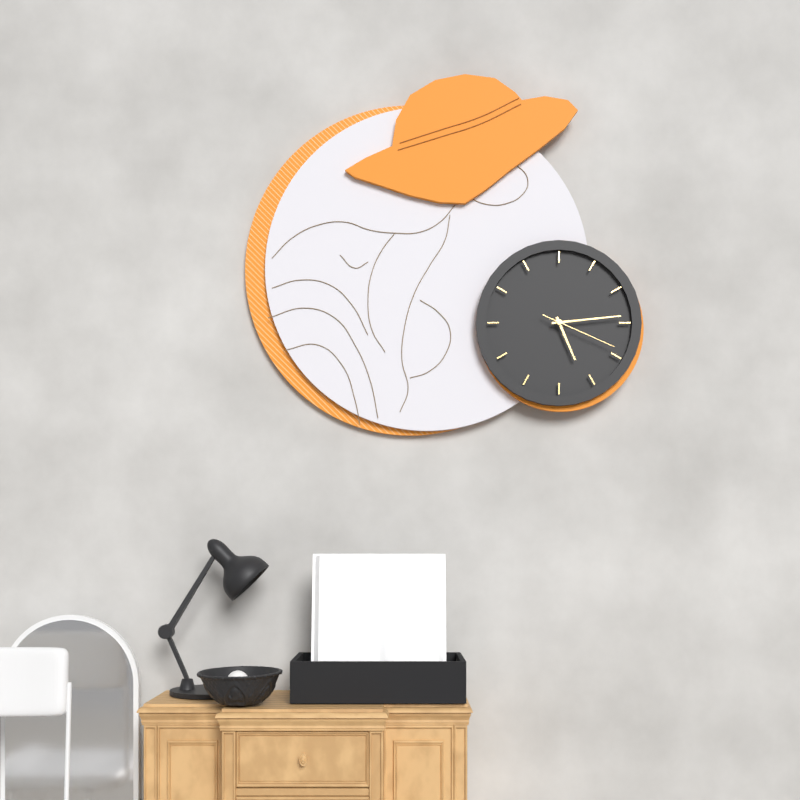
5:14:19
